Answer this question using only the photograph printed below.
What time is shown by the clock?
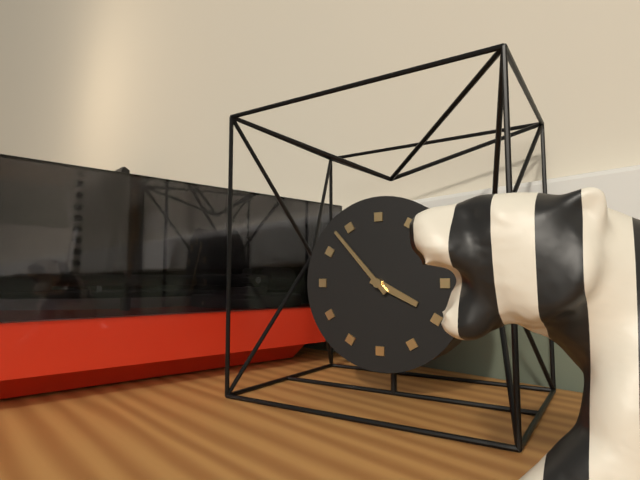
3:53
